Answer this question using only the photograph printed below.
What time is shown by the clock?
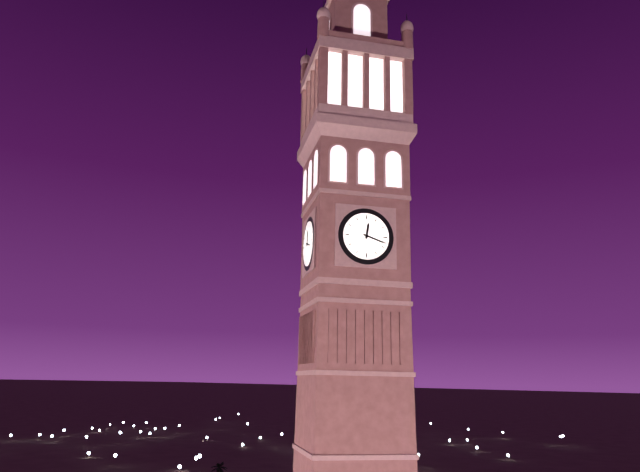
12:18
